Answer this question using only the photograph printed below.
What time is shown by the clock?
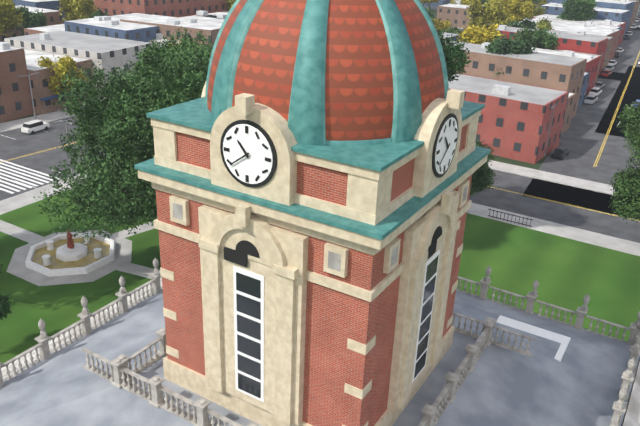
10:39
